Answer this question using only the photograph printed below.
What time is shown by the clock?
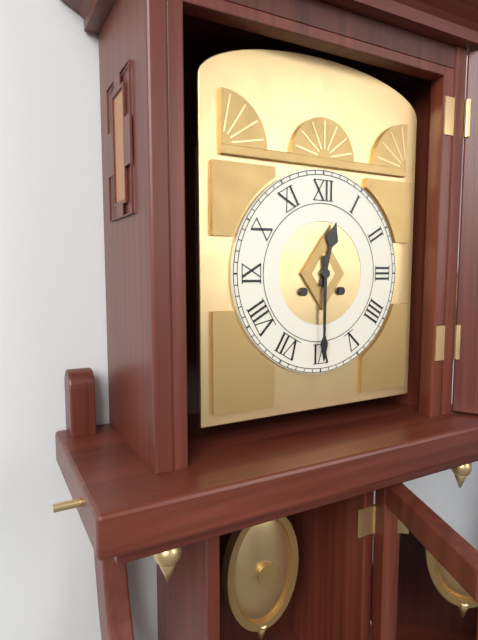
12:30
